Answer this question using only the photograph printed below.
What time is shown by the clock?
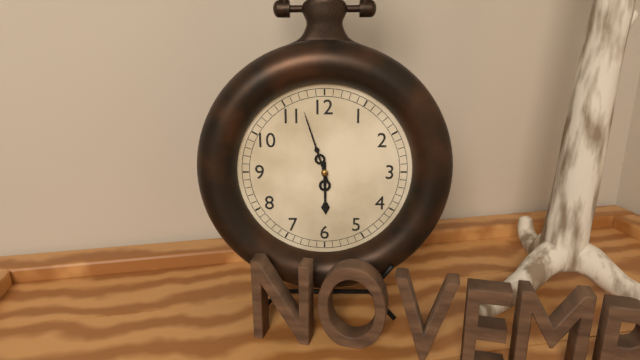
5:57
